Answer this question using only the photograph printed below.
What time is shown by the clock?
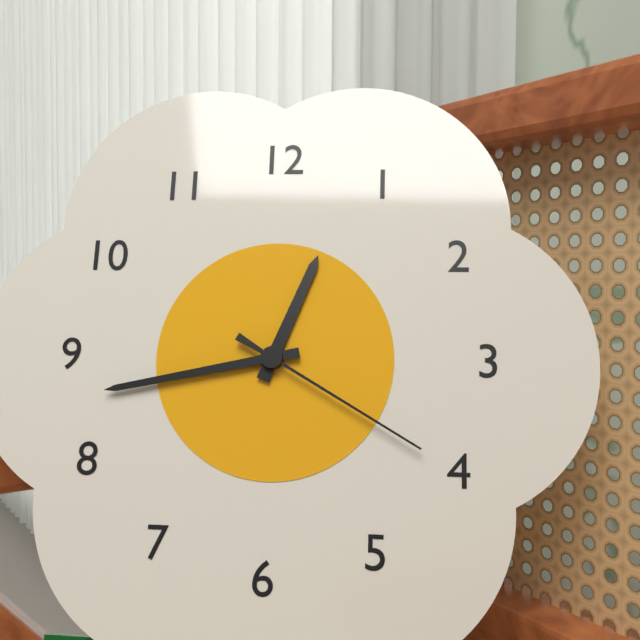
12:43:20
